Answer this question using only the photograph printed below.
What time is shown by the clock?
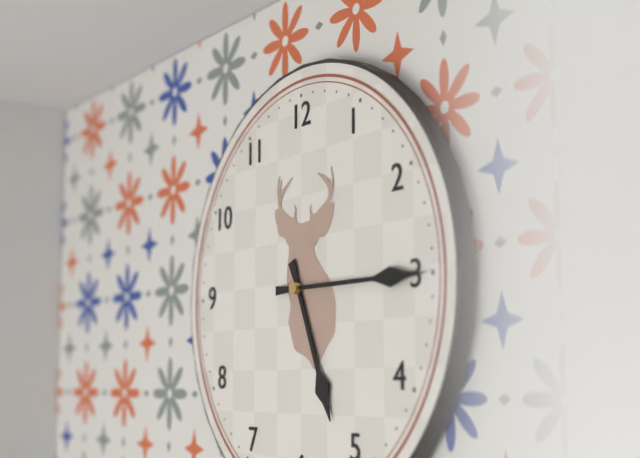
5:15
